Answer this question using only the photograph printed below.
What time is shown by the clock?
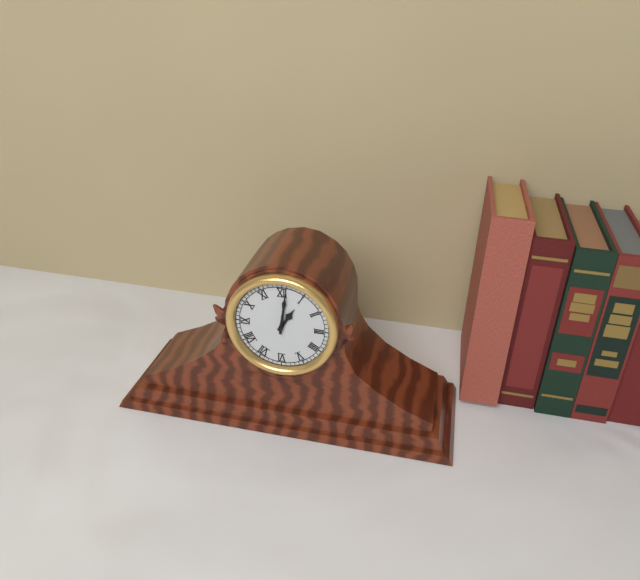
1:01
